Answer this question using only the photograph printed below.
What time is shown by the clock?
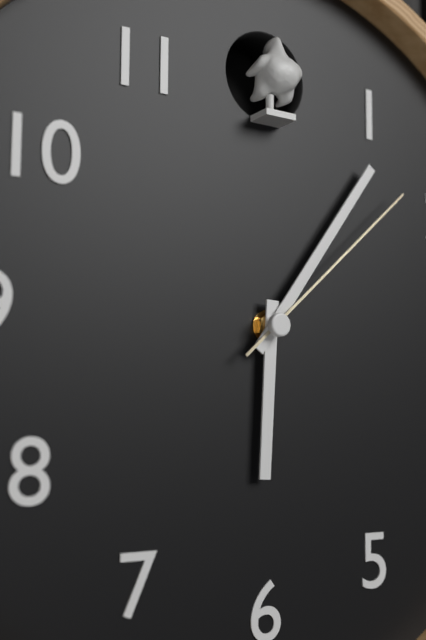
6:06:08
